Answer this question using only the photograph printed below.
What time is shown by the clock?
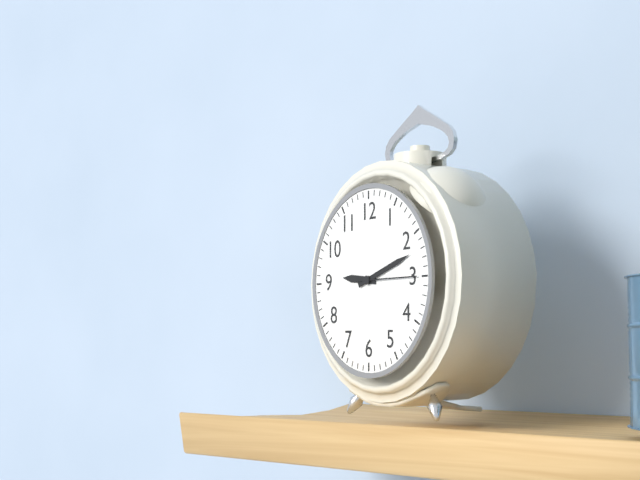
9:12:15
